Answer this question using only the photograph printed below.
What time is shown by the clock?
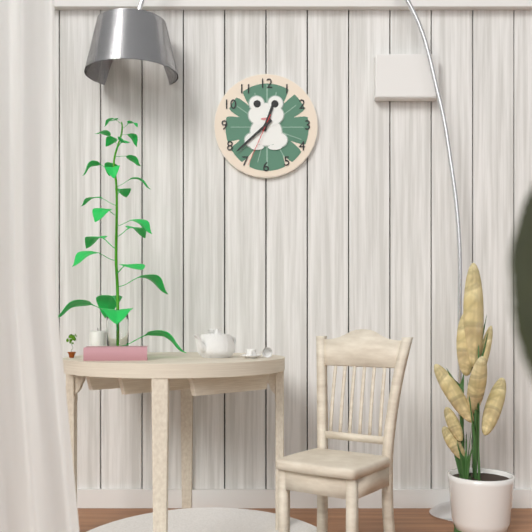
12:38:34
